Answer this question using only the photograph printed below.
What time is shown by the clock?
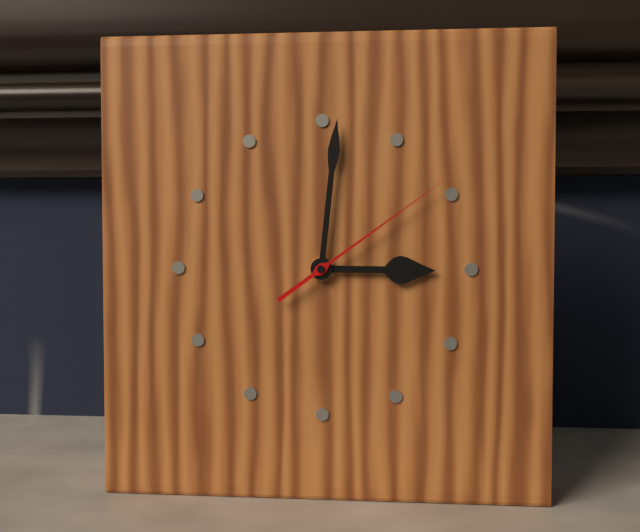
3:01:09
